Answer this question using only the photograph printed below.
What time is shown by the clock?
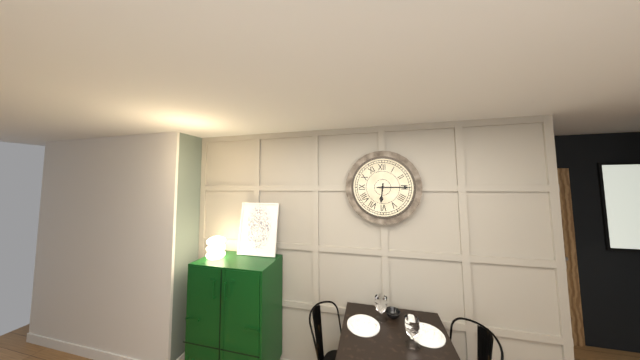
6:15
